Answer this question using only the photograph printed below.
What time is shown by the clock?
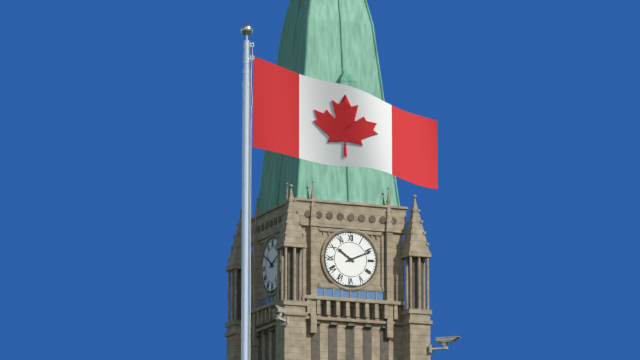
10:11
